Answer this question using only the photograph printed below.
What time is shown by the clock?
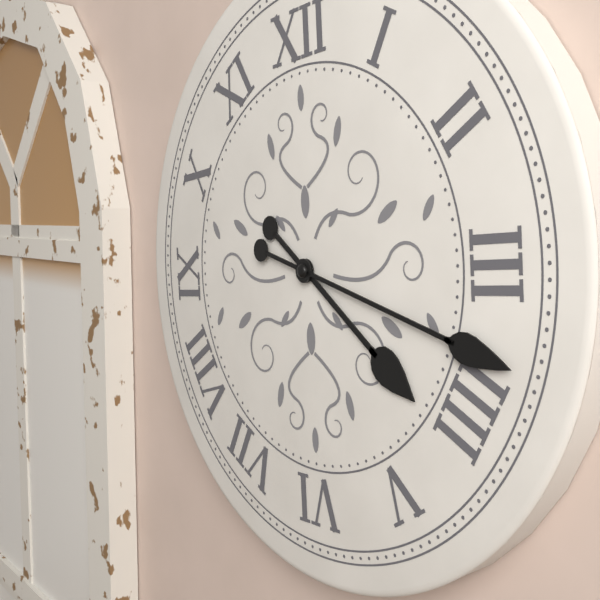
4:18
